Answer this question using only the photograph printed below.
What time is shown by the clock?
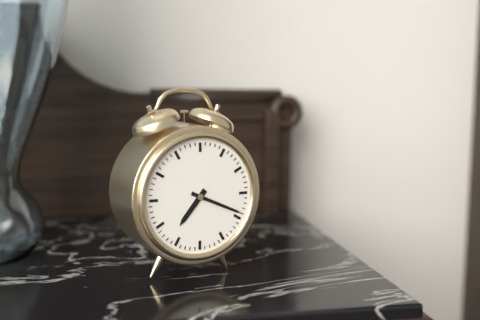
7:19
